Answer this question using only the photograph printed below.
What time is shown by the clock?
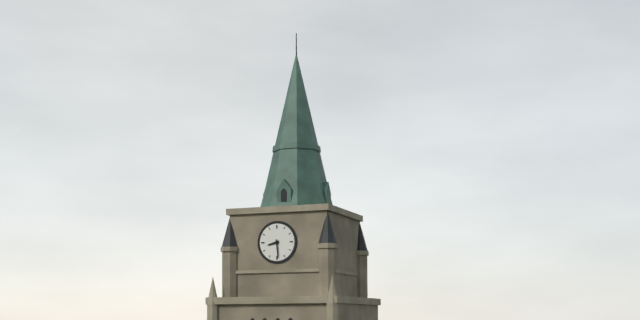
8:29
